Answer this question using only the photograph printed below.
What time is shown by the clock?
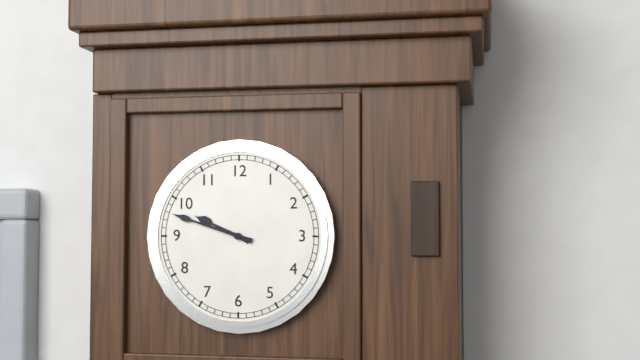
9:48
